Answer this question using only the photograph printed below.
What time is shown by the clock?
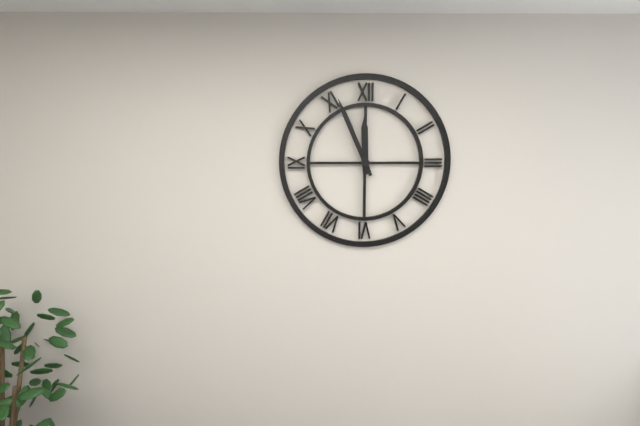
11:56
